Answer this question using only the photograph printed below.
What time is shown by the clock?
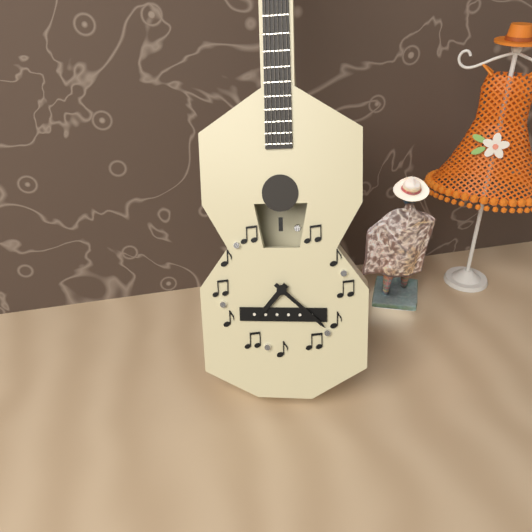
7:22
